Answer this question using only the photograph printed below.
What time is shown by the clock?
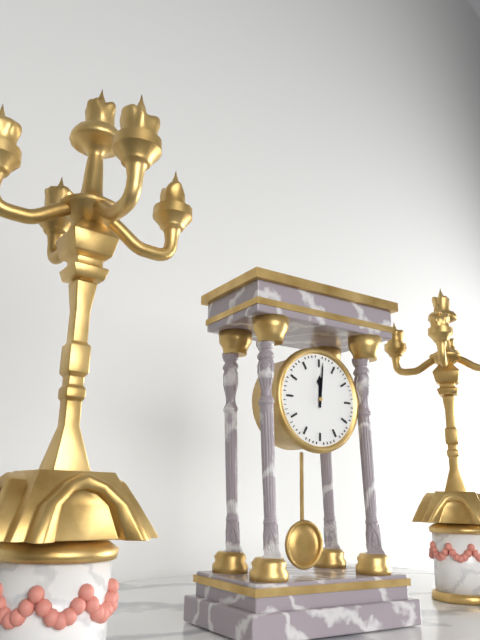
12:01
